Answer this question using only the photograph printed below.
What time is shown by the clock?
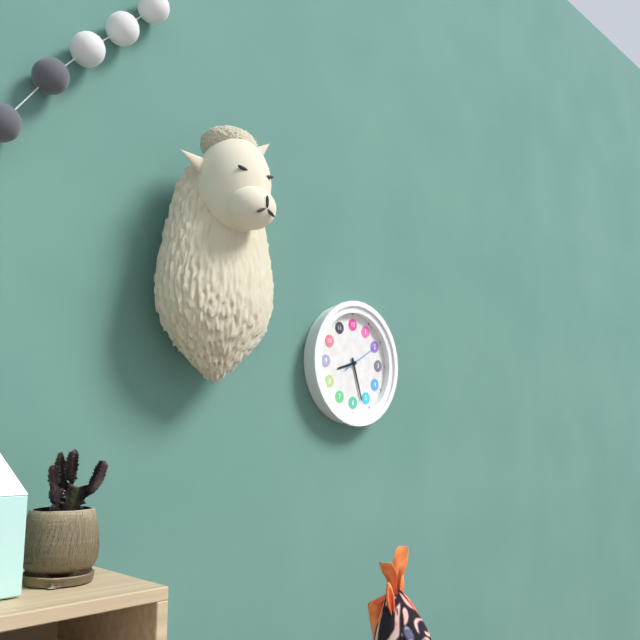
8:27
